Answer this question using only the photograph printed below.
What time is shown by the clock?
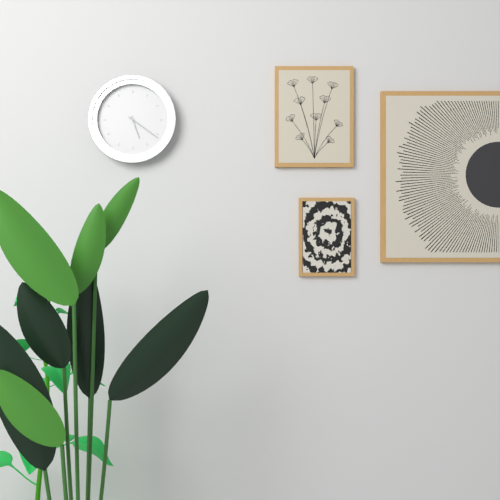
5:21
